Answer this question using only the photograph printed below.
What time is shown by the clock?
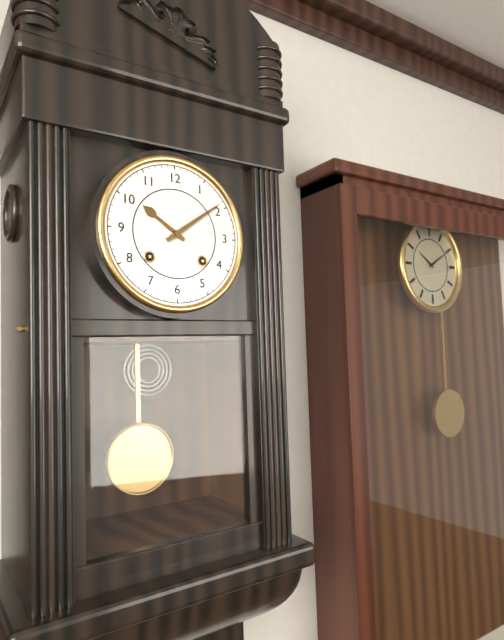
10:09
